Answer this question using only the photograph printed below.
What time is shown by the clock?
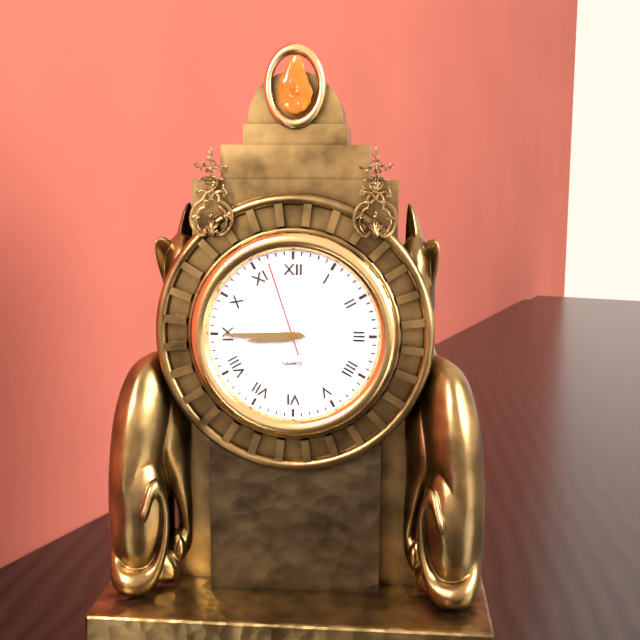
8:45:57
